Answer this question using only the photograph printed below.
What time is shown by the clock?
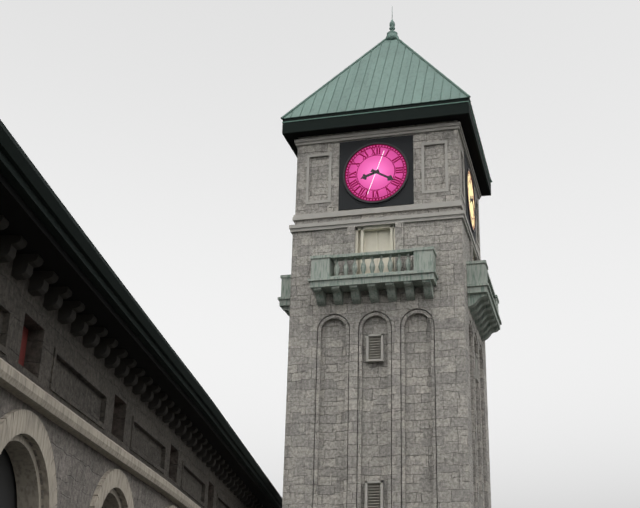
8:20
